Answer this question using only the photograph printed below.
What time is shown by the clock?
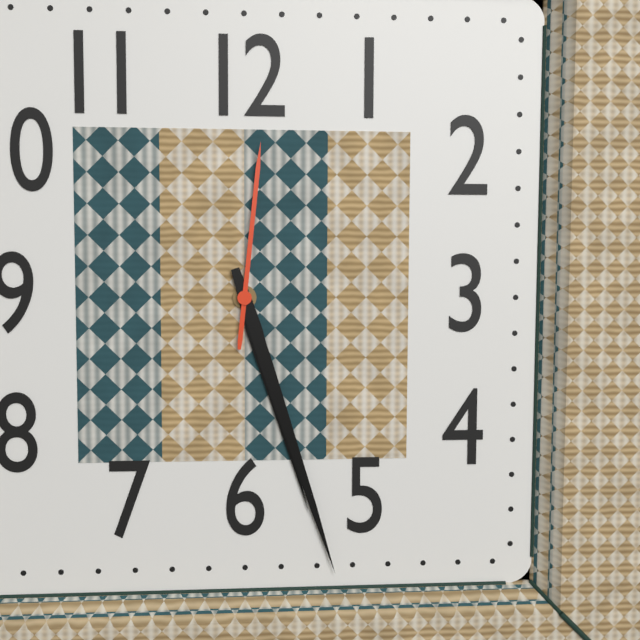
5:27:01
